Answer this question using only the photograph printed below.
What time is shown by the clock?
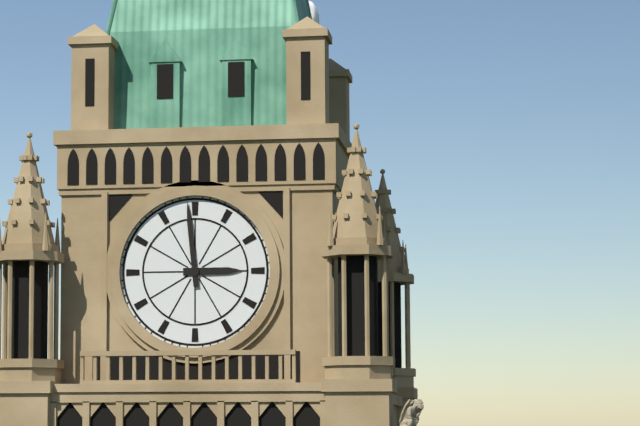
2:59
